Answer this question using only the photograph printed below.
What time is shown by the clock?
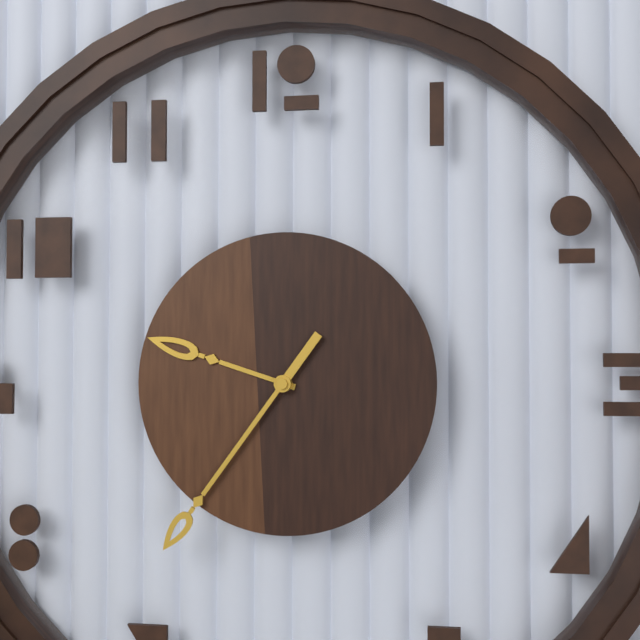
9:36
